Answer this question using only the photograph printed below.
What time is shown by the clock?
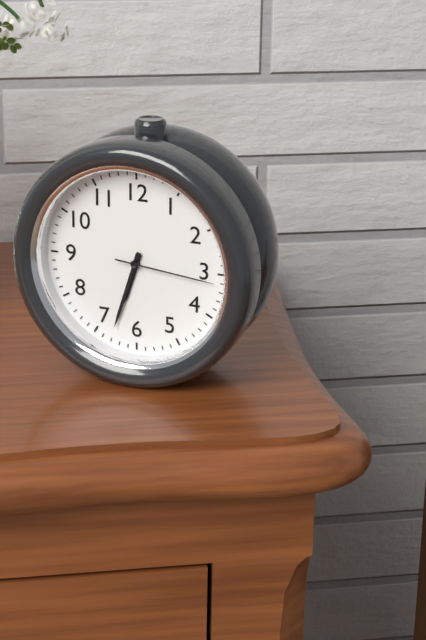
6:33:16
